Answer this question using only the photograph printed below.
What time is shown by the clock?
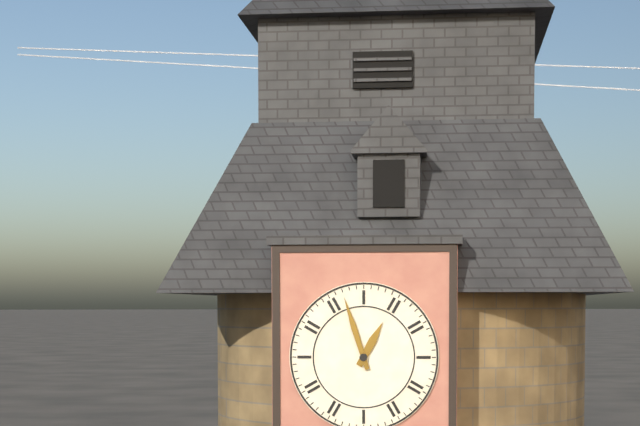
12:57
